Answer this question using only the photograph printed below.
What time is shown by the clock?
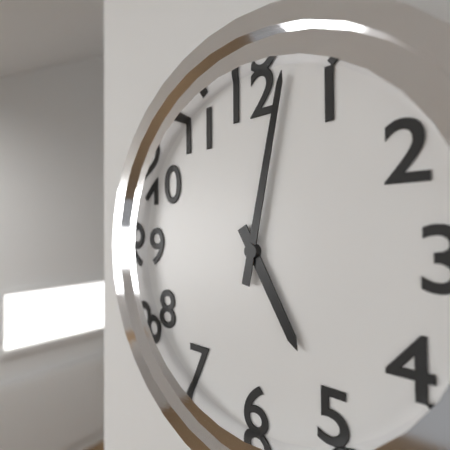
5:02
